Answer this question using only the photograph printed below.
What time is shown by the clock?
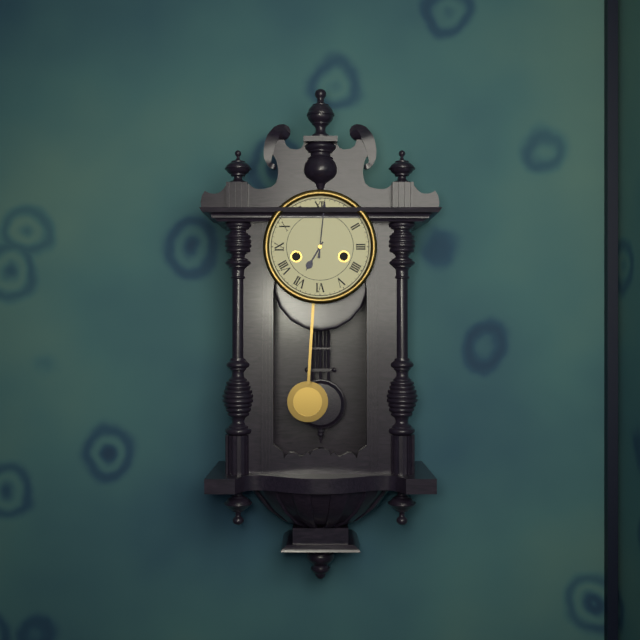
7:01
